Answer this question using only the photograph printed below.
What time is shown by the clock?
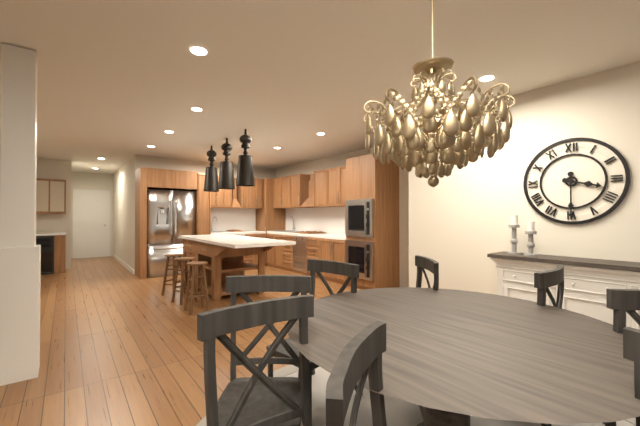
3:30
